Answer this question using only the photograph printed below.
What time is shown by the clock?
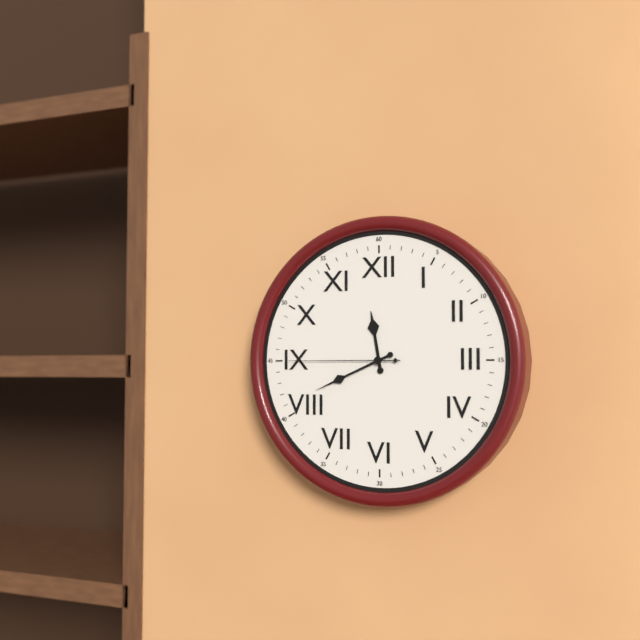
11:41:45
